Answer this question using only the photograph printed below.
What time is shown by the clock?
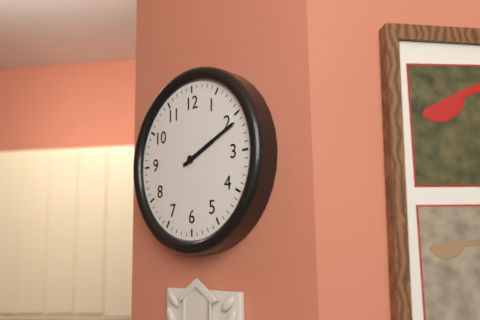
2:11
